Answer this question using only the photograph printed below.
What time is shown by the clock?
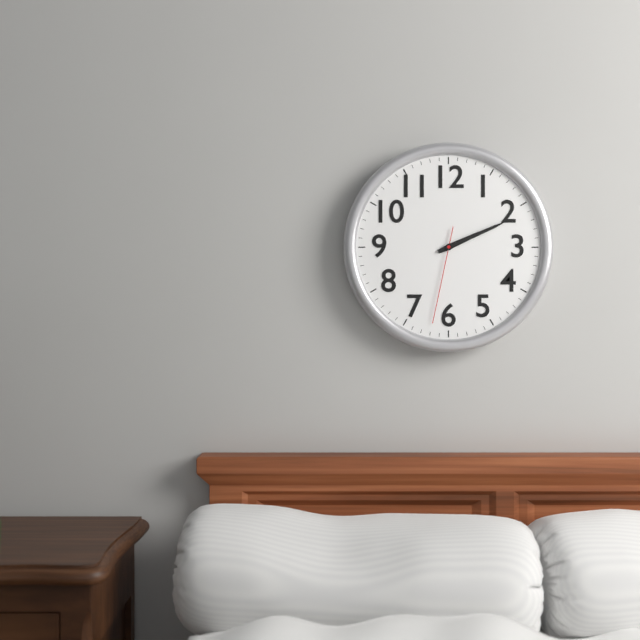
2:11:32
